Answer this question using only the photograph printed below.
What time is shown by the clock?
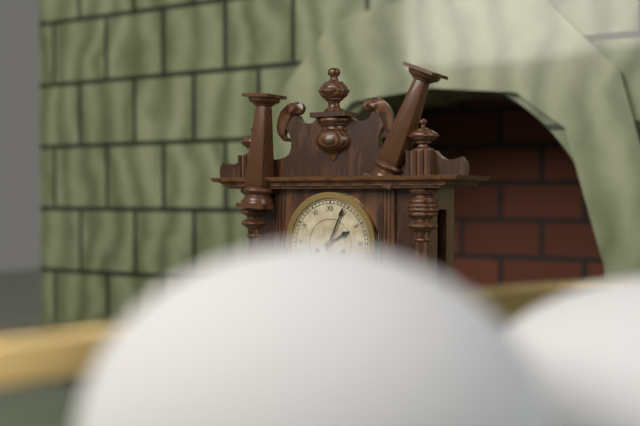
2:04
